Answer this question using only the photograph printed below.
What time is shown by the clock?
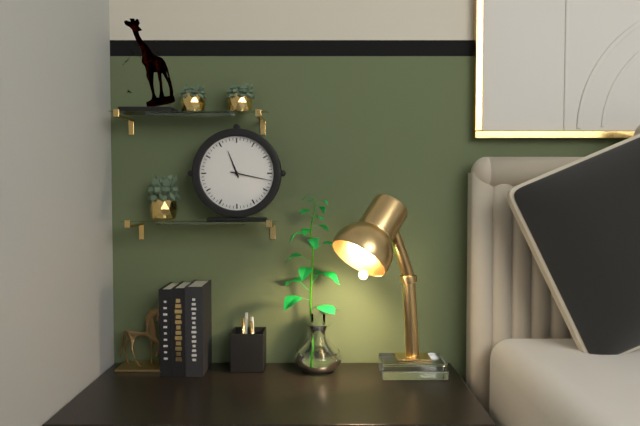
11:17
